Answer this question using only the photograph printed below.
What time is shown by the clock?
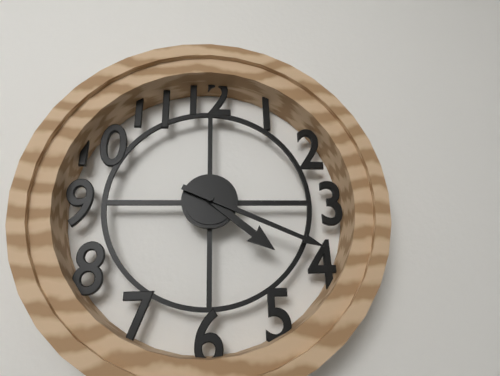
4:19
